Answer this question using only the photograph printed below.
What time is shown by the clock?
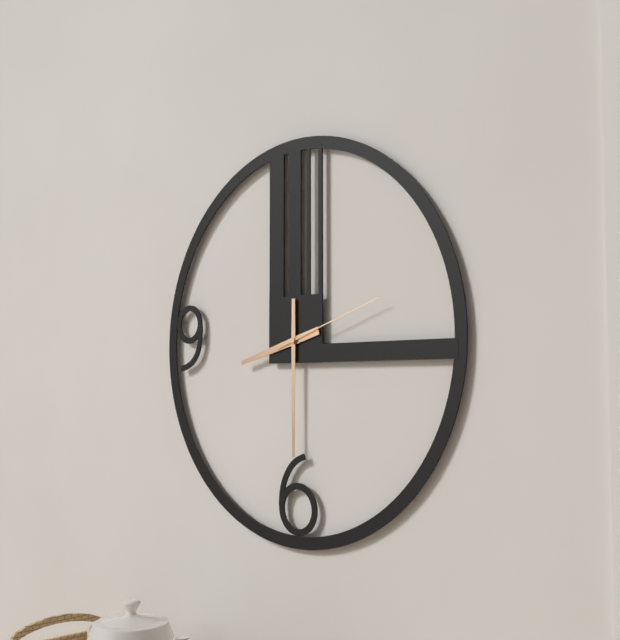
8:30:12
